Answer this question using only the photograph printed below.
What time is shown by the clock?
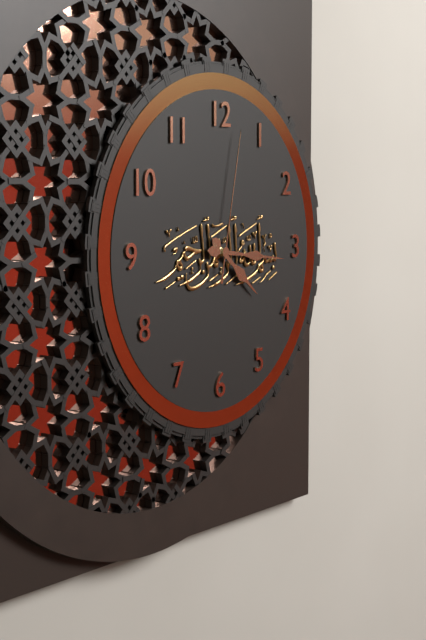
4:16:02
